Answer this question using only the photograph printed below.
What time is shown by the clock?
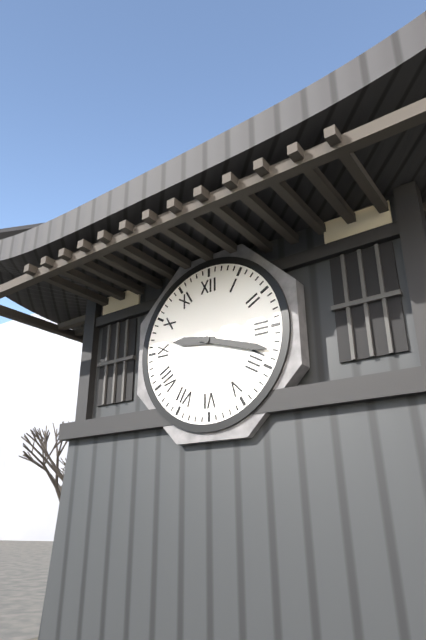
9:18
